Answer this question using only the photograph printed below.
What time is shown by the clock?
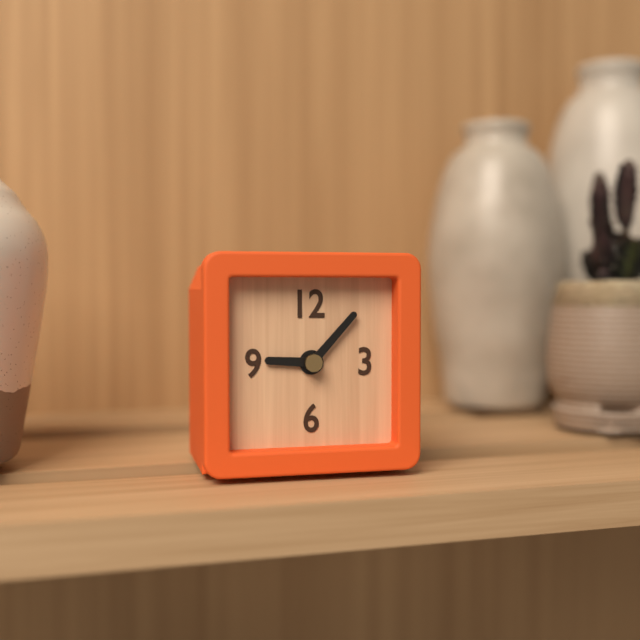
9:07
